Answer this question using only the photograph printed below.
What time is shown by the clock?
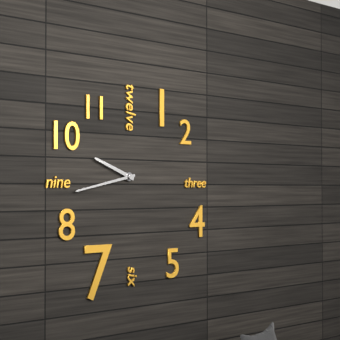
9:43
